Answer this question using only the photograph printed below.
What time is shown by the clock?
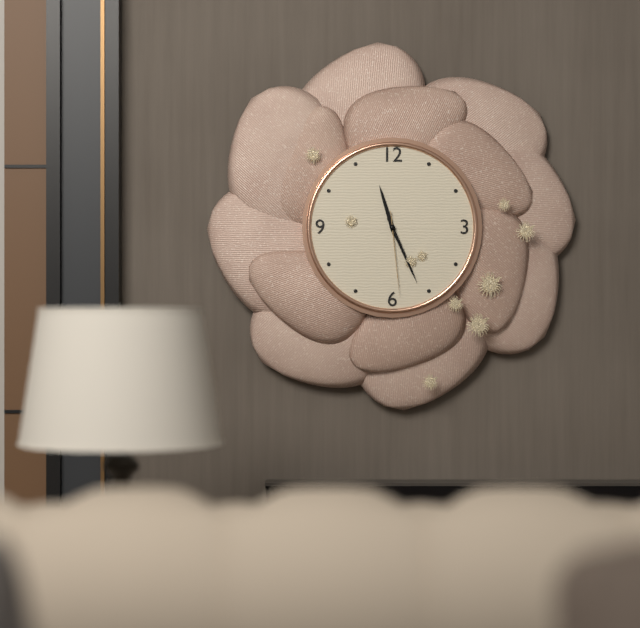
11:26:29
